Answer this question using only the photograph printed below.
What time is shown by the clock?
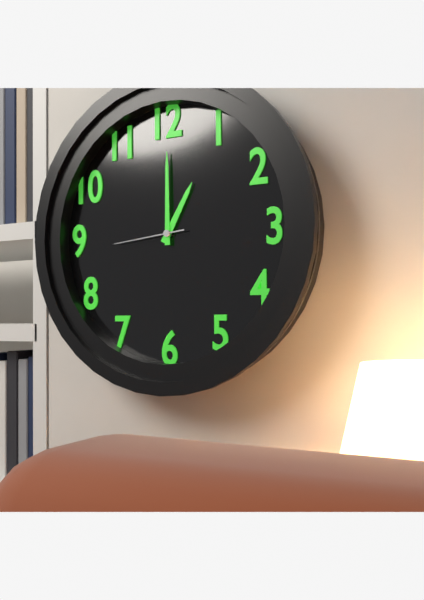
1:00:44
